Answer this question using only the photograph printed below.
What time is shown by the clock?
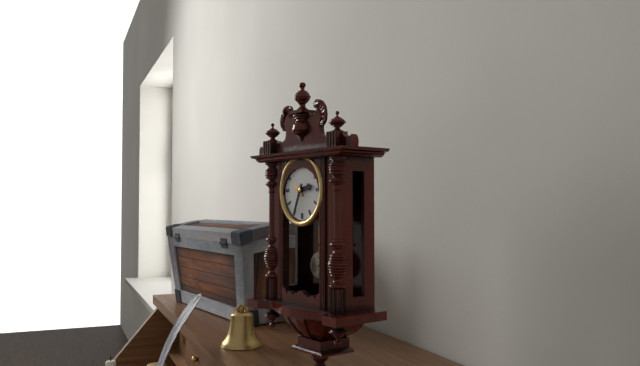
2:34
